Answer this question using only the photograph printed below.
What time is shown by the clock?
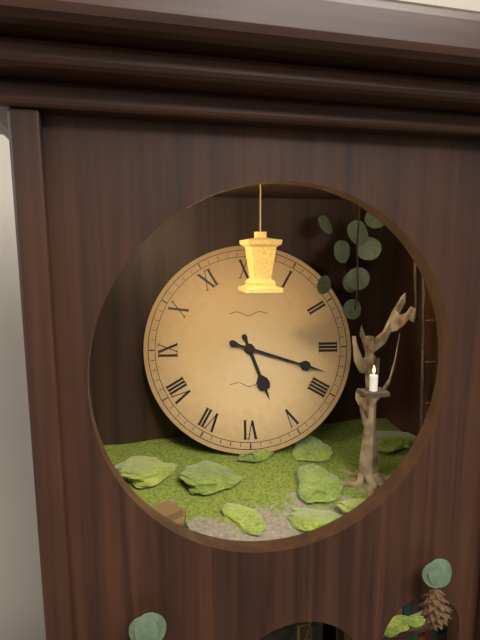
5:18
